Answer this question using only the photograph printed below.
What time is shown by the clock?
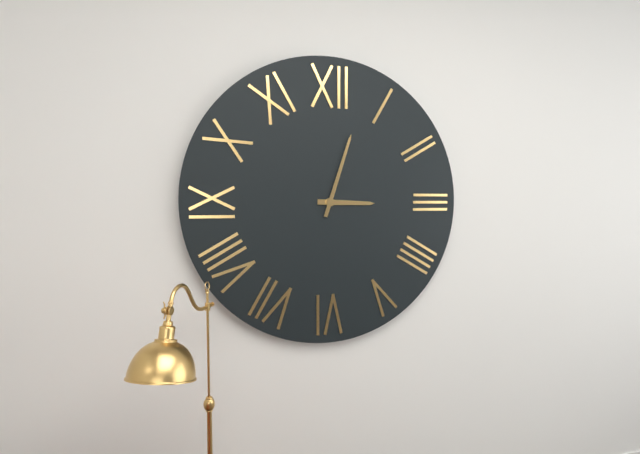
3:03
